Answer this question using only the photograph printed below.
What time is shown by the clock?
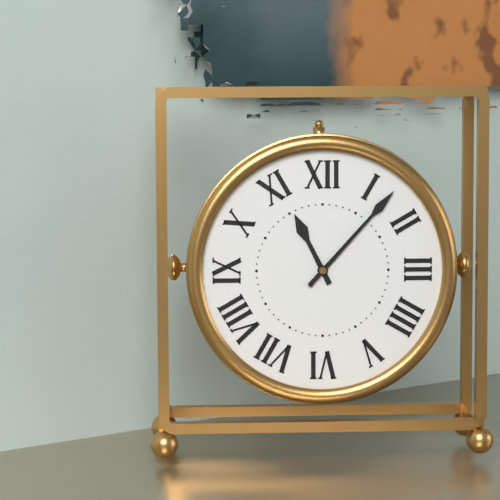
11:07
